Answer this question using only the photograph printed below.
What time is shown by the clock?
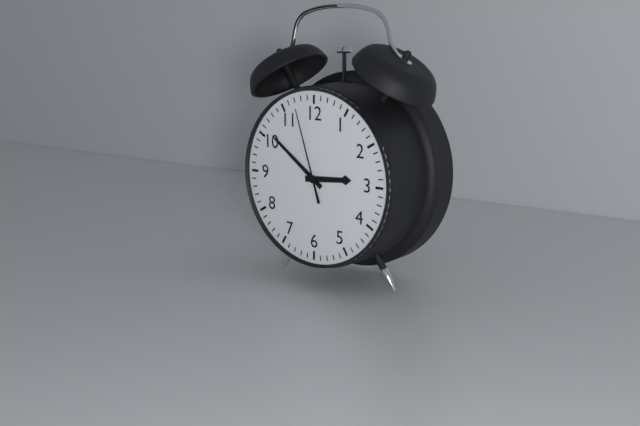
2:51:57
